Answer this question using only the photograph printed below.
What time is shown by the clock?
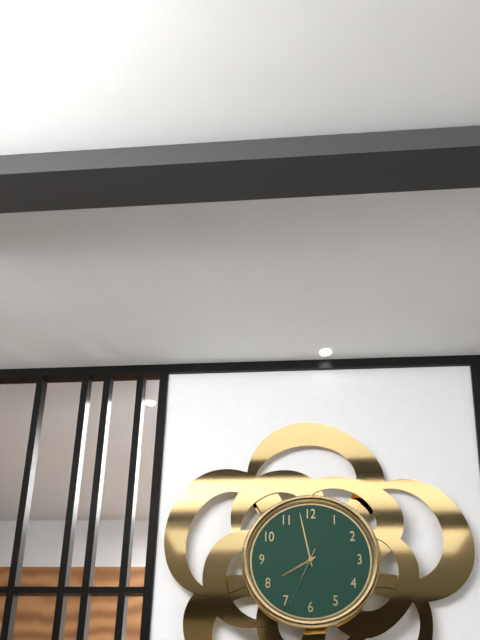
7:58:34
